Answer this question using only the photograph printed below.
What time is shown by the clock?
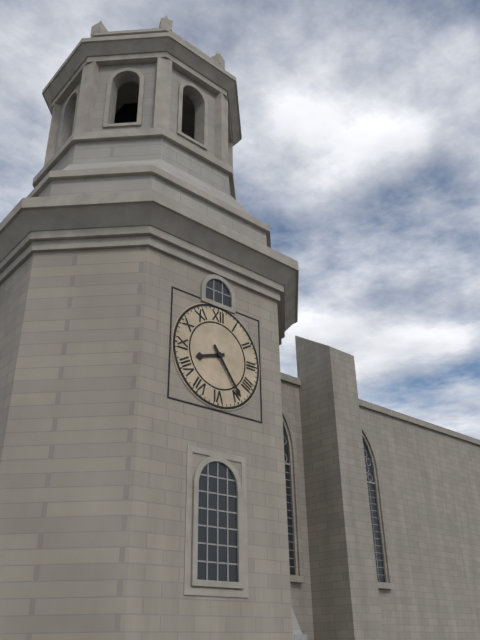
8:24
